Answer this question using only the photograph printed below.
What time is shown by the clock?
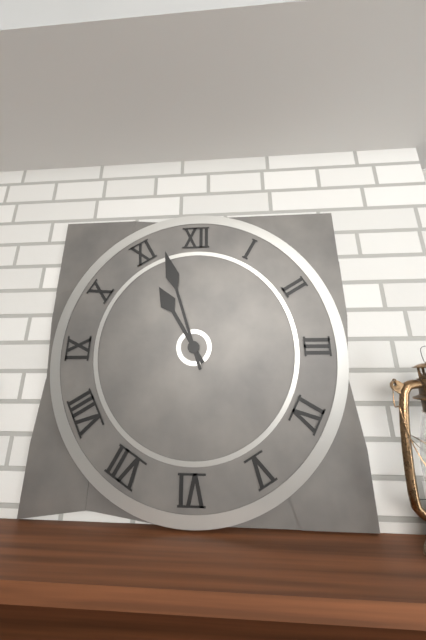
10:57
